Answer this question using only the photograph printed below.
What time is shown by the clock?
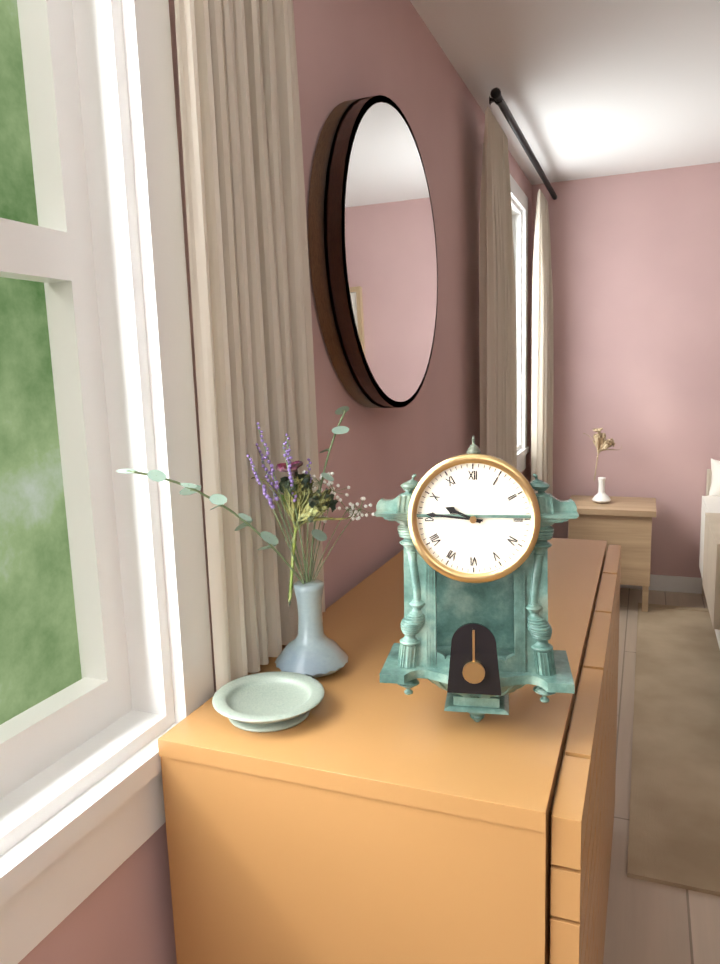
9:46
